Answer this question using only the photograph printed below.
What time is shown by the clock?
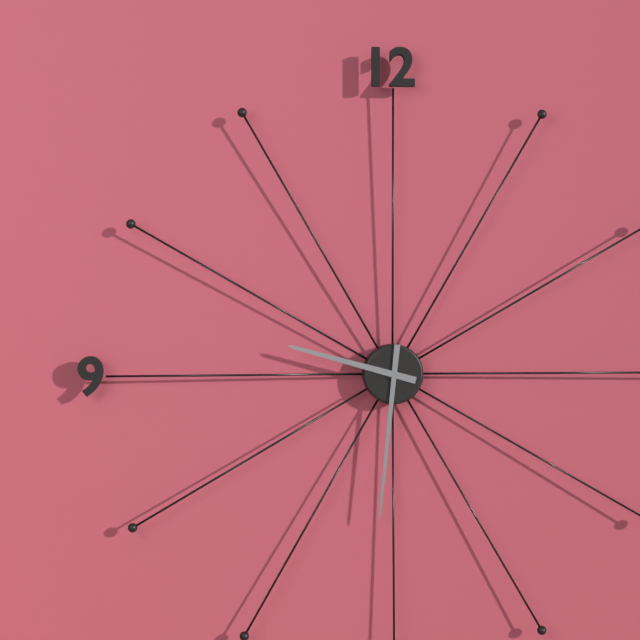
9:31
